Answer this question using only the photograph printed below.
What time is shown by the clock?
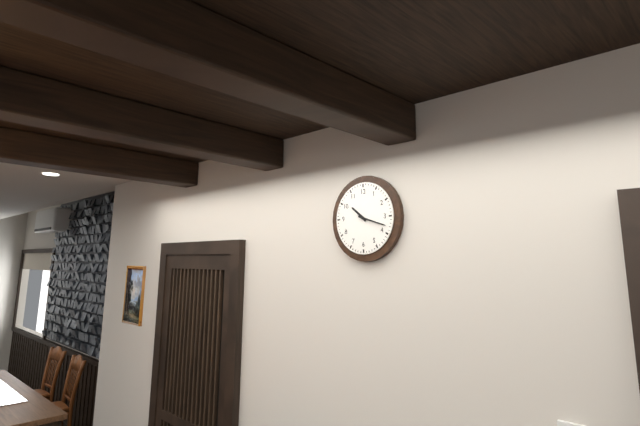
10:18
